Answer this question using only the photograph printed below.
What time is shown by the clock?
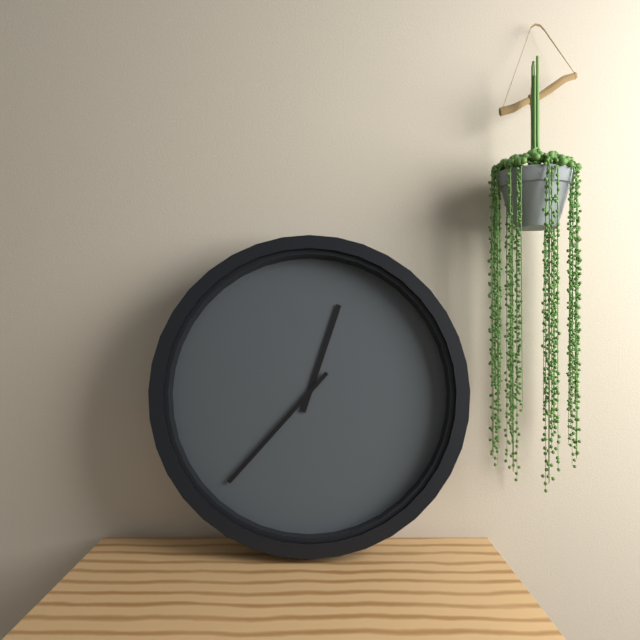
12:37
